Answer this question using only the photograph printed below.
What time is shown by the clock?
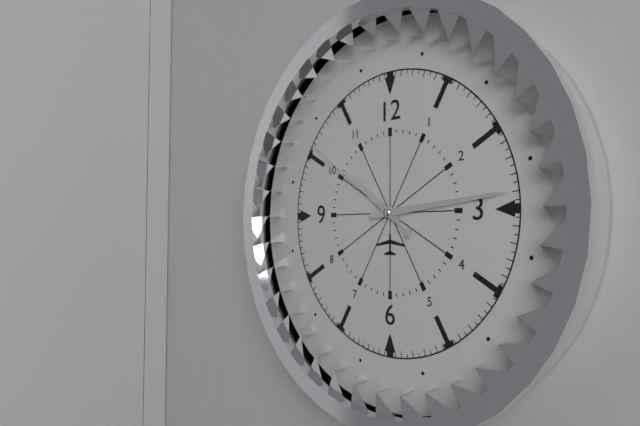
10:14:51
